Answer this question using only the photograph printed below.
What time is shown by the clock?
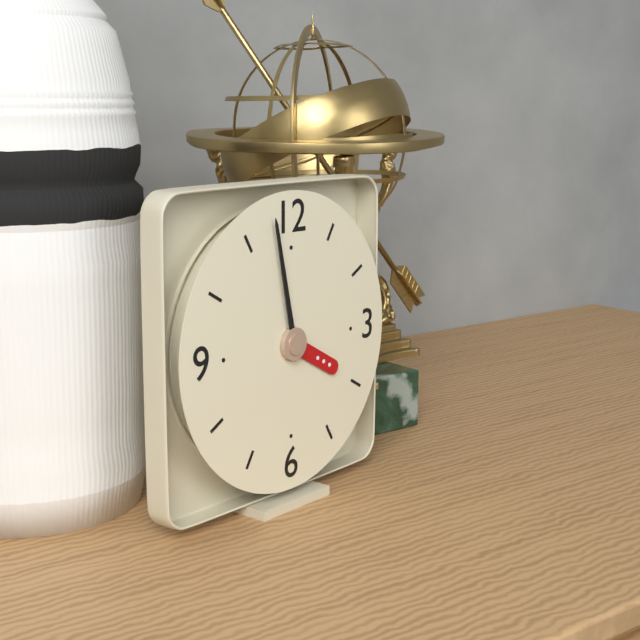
3:58
